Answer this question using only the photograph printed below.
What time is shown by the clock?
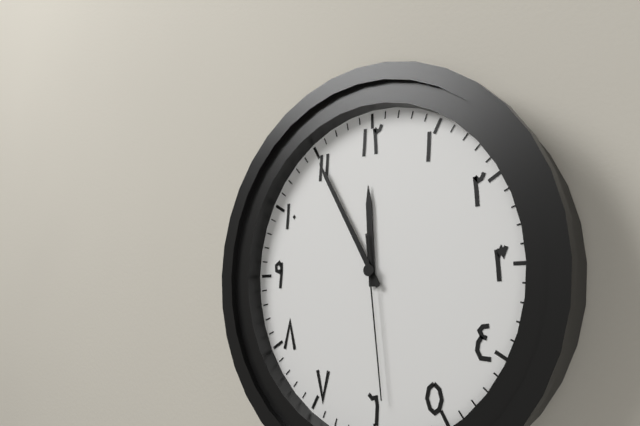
11:55:29
